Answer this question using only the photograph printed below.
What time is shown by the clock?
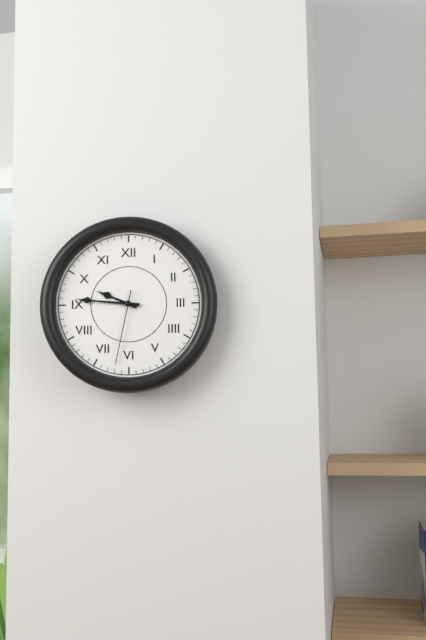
9:46:32
